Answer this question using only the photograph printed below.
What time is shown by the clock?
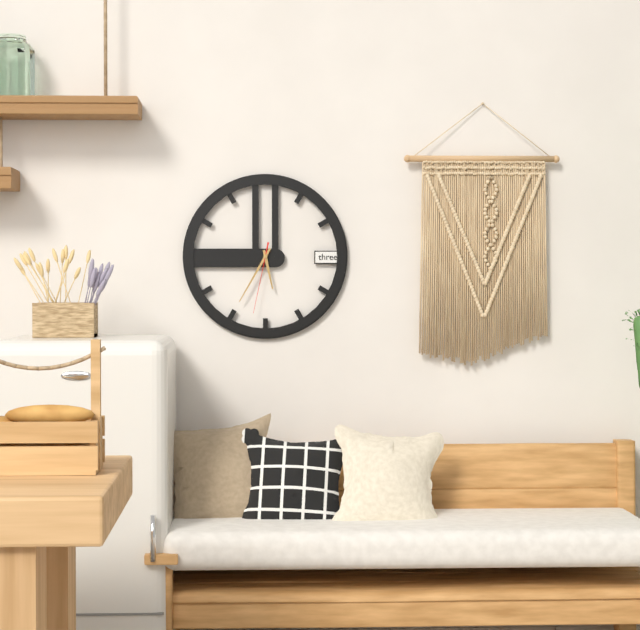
5:35:32
